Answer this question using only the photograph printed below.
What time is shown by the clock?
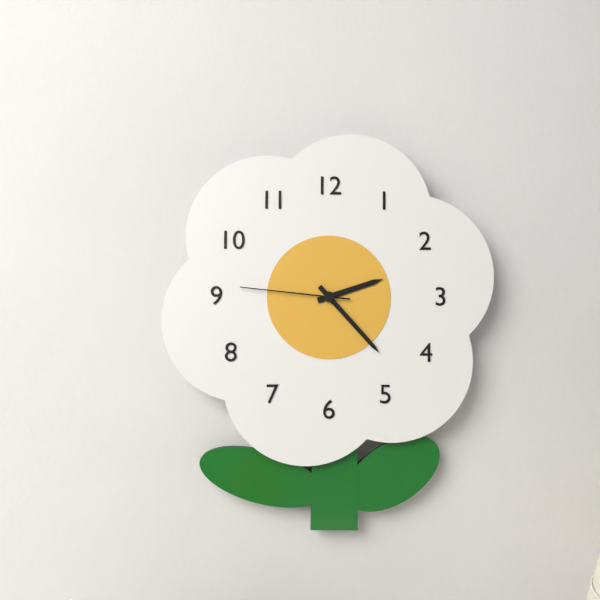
2:23:46
